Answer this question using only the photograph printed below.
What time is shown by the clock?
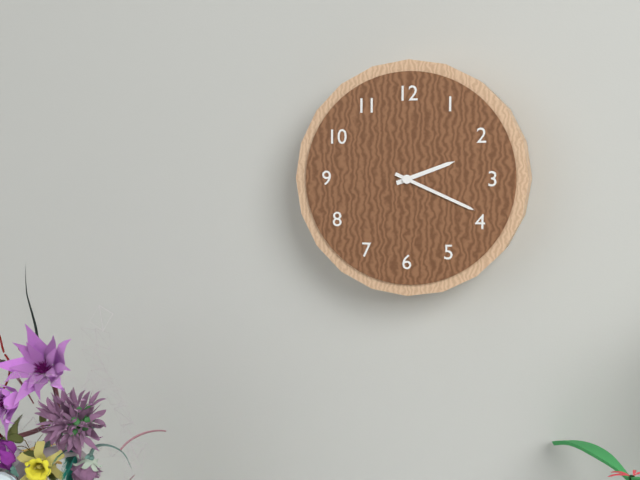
2:19
